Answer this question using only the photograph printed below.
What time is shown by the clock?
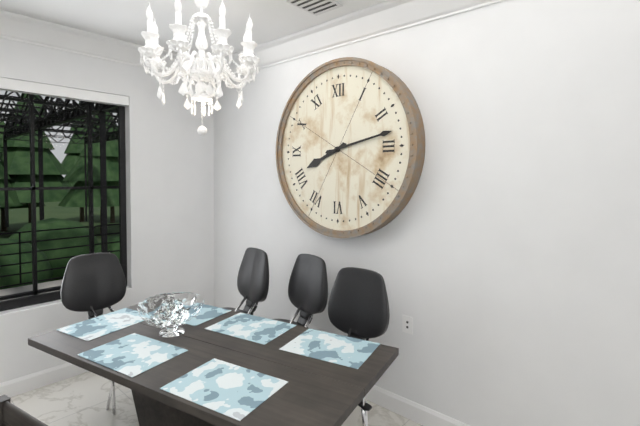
8:13
